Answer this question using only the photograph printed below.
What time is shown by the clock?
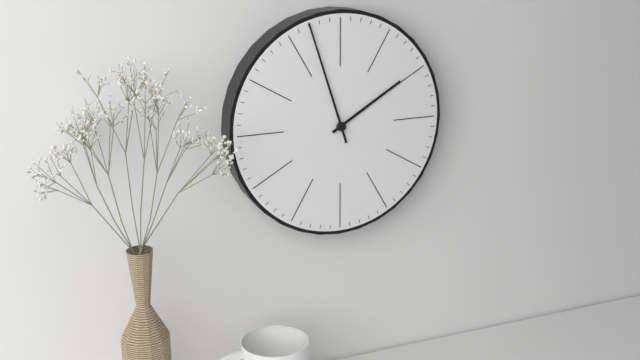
1:57
